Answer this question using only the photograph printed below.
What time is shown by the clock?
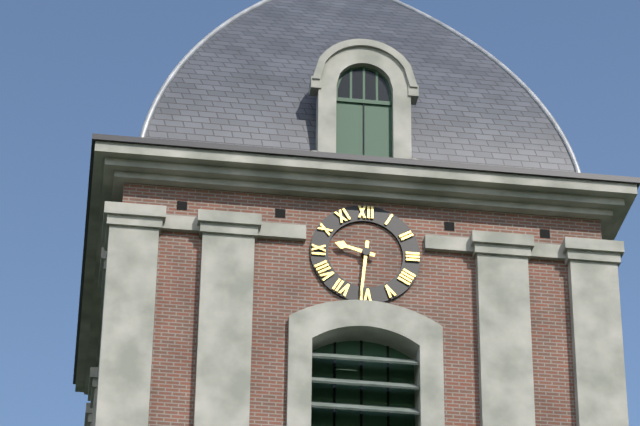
9:31
